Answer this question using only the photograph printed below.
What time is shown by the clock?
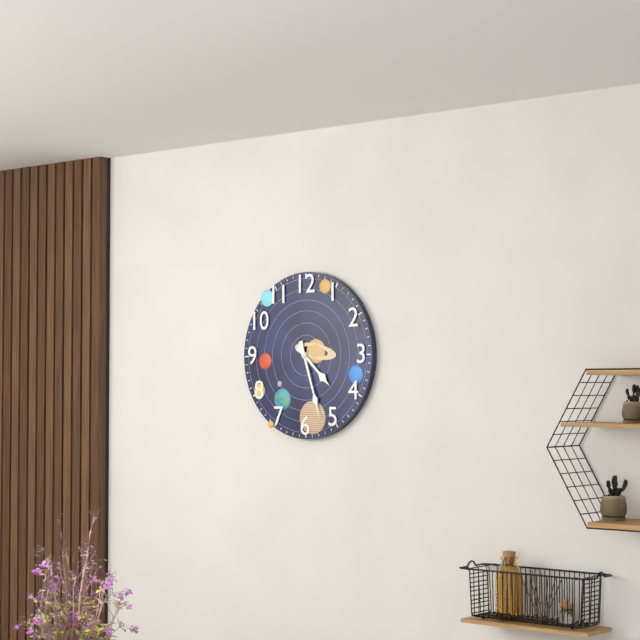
4:27
